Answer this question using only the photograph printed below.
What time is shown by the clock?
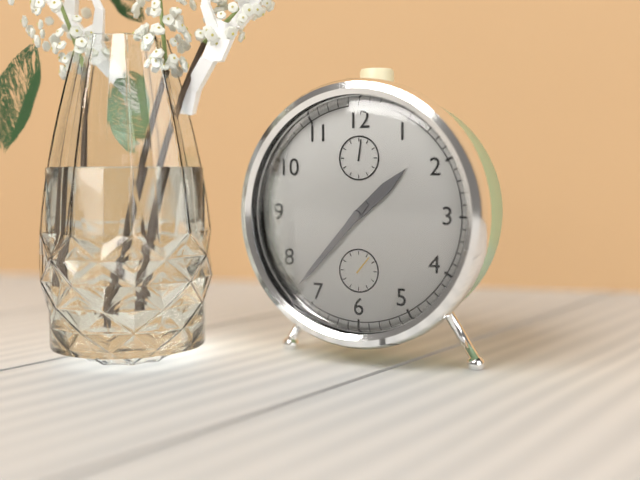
1:37
